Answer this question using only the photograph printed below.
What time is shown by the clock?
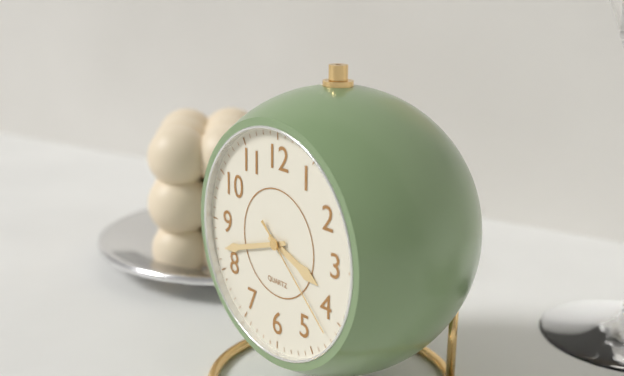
3:42:22
